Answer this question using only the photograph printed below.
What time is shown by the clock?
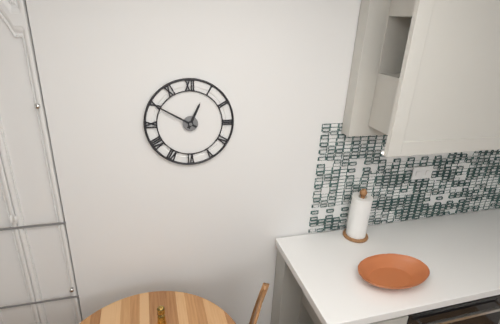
12:50
